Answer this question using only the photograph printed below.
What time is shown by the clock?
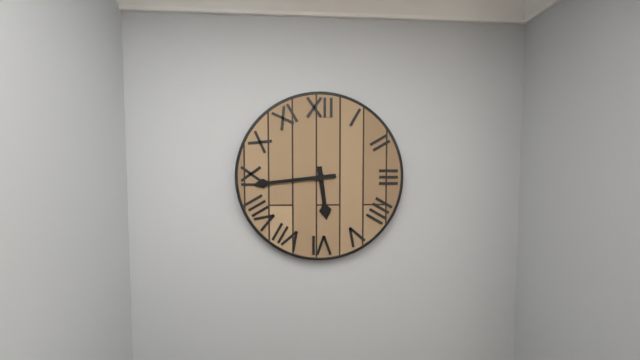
5:44
